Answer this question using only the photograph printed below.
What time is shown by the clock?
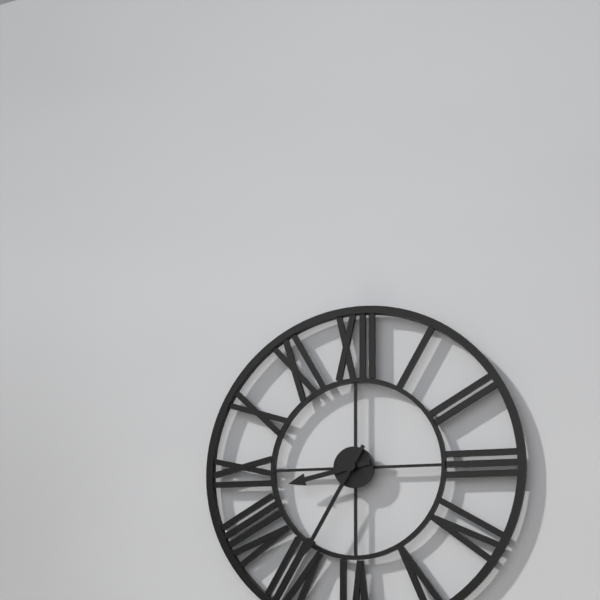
8:35
